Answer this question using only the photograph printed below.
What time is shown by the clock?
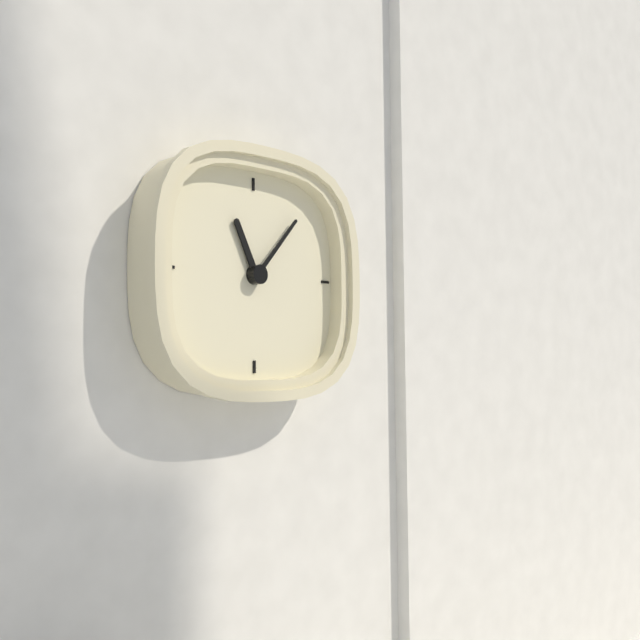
11:07
